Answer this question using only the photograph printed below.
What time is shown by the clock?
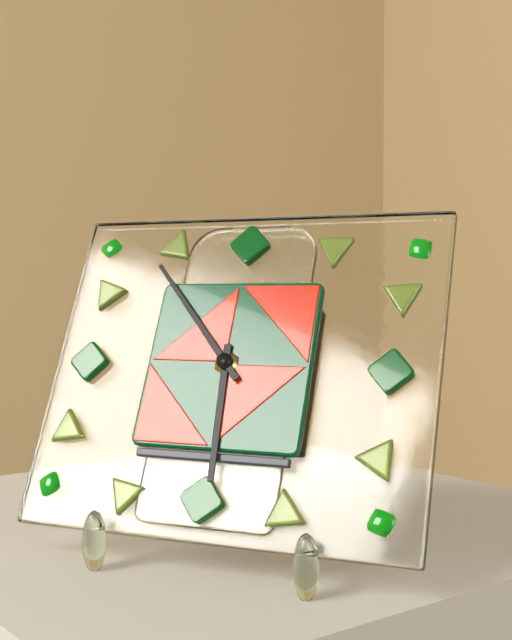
5:53
